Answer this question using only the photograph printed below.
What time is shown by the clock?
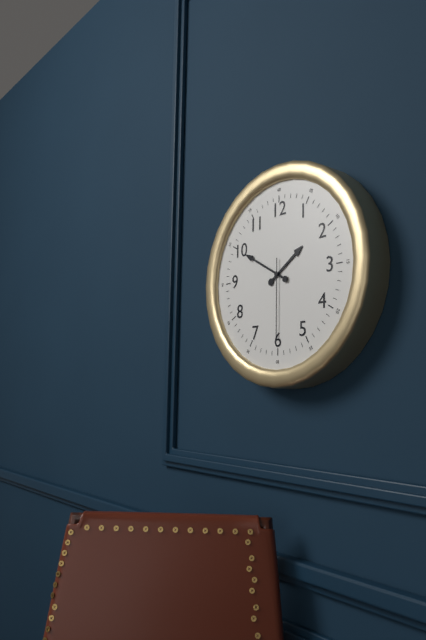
1:50:30
